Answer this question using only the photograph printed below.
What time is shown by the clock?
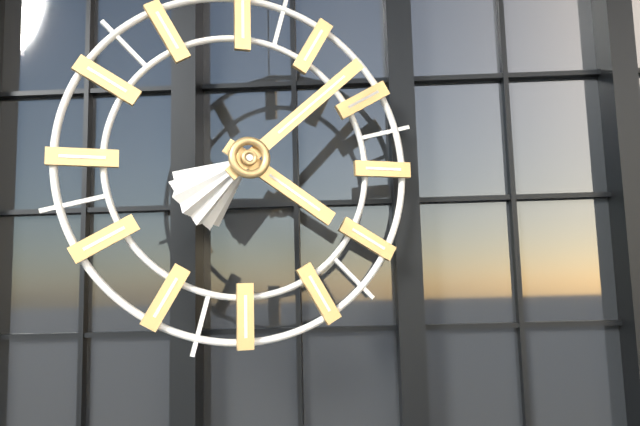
4:08
